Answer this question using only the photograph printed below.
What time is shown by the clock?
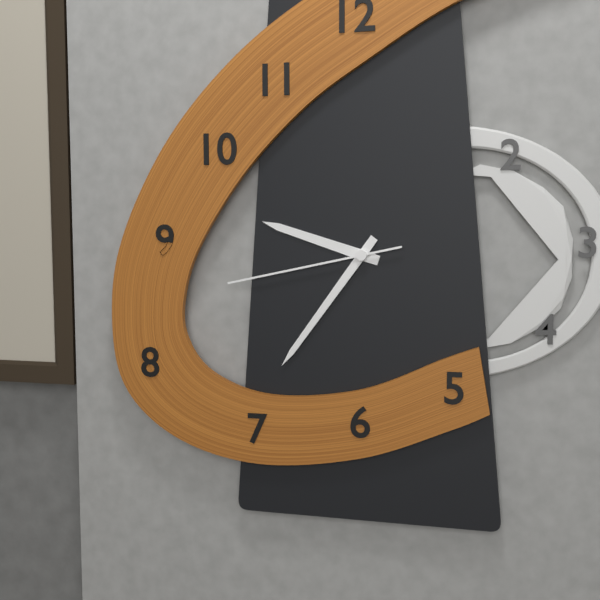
9:36:43
